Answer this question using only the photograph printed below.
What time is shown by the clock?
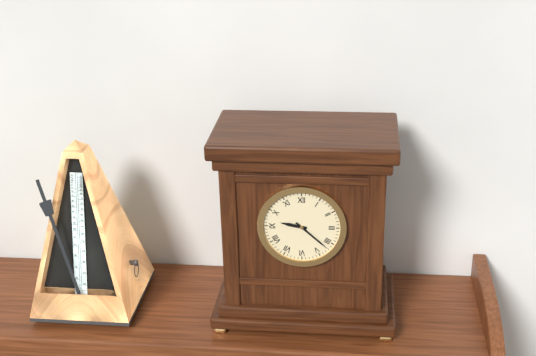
9:22
